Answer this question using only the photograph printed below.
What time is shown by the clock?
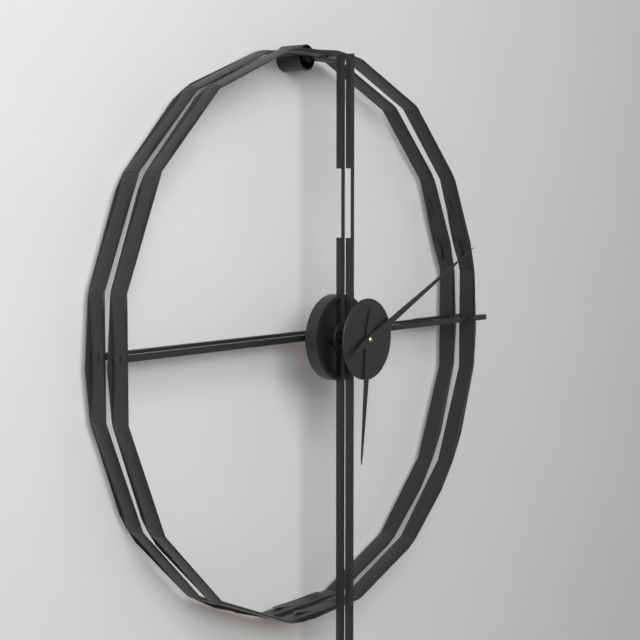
6:11
